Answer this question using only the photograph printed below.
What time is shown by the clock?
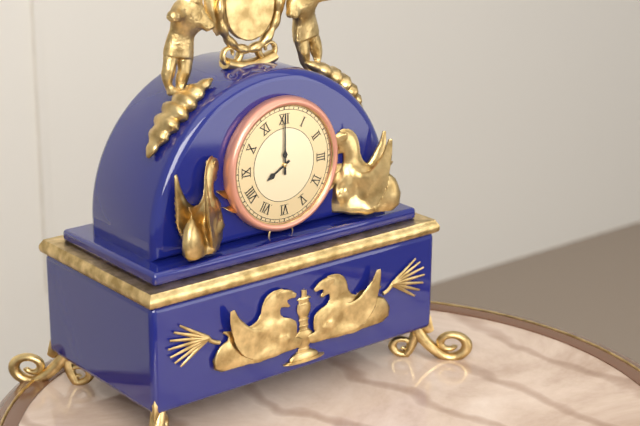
8:00
